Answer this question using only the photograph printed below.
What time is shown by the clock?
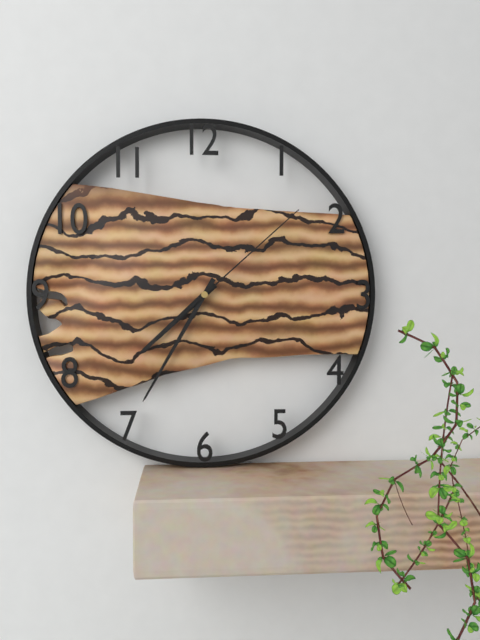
7:35:08
